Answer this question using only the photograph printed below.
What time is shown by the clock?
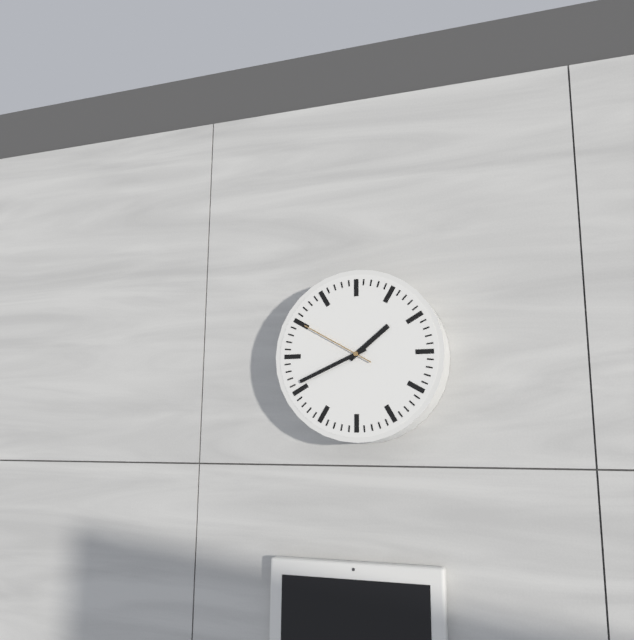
1:41:50
